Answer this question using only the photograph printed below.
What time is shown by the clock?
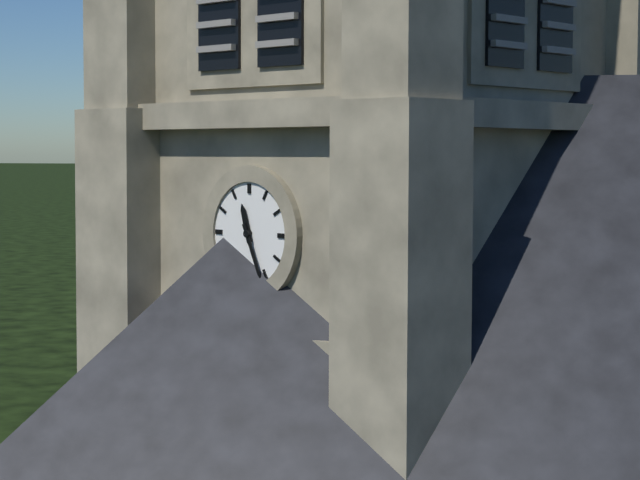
11:26
